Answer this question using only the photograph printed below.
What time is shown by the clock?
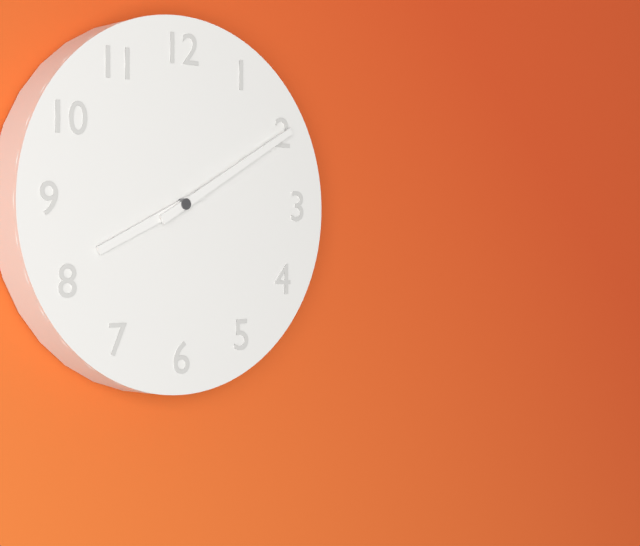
8:10
